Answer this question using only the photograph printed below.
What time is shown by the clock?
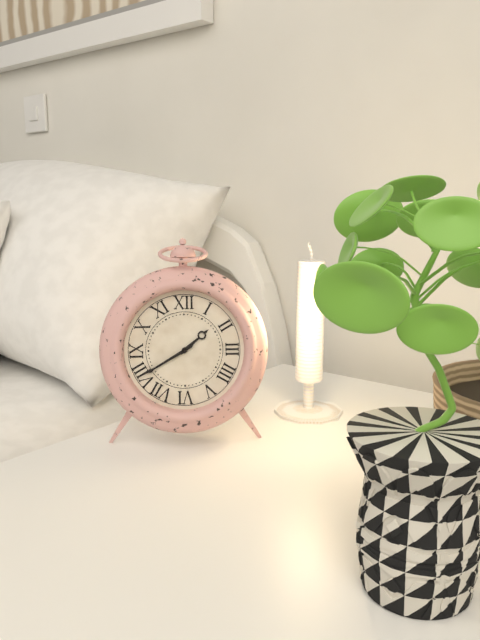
1:40
